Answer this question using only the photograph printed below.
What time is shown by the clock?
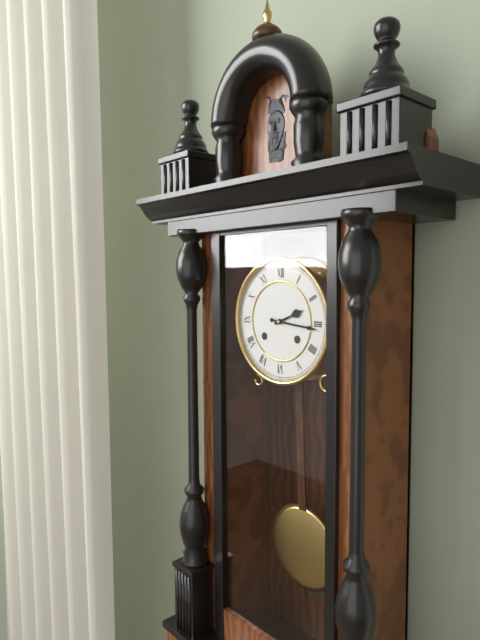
2:16
